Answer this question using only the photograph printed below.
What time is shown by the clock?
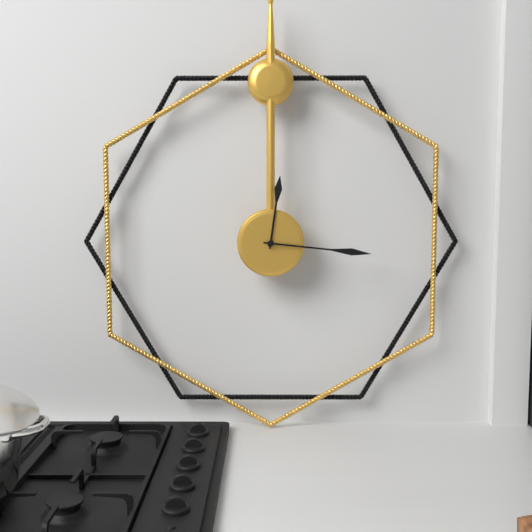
12:16
